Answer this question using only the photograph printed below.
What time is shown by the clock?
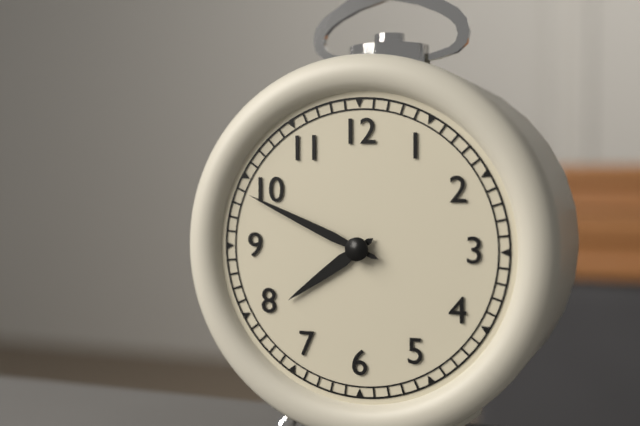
7:49
